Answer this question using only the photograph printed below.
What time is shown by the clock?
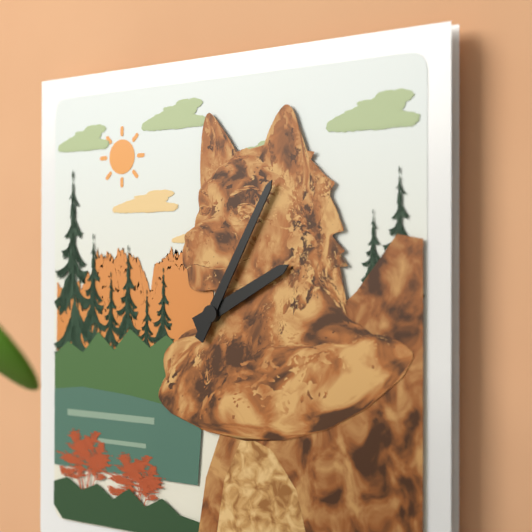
2:05
